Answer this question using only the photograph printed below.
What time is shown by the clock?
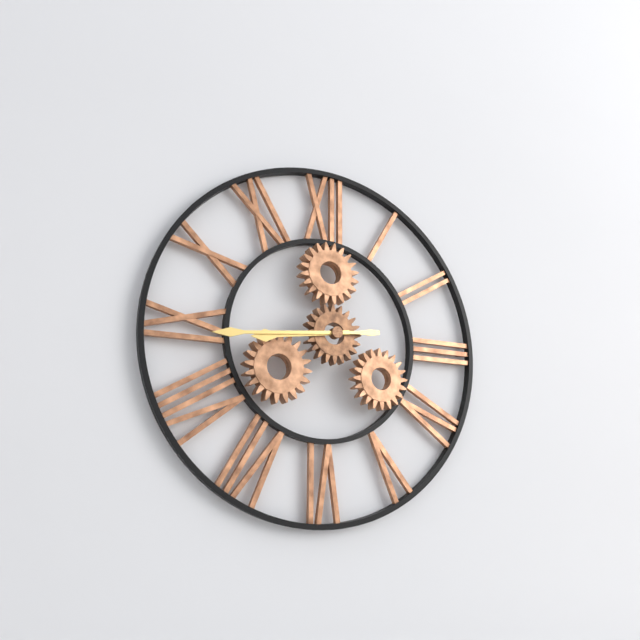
8:44
